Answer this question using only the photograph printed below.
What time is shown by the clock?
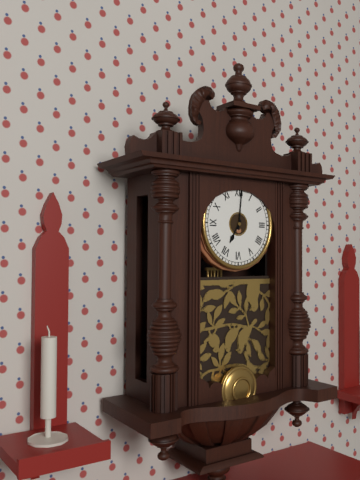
7:01
